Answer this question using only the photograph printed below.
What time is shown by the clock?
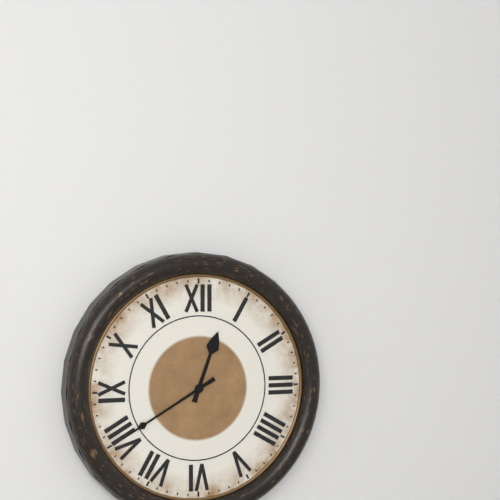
12:40
